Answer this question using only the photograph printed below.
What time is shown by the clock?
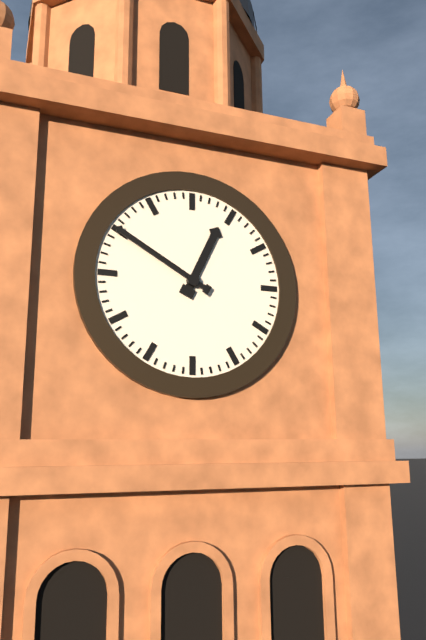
12:50
